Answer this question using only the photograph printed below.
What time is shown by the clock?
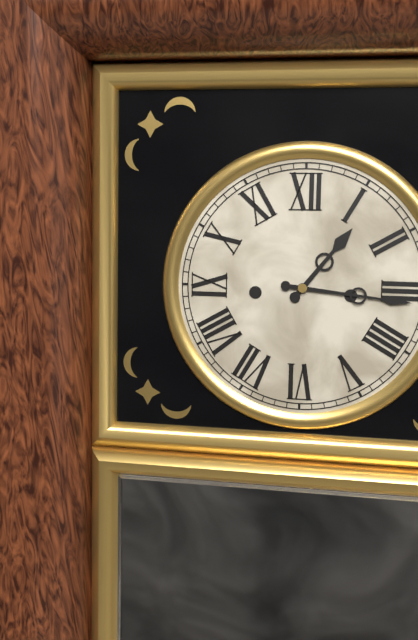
1:16
